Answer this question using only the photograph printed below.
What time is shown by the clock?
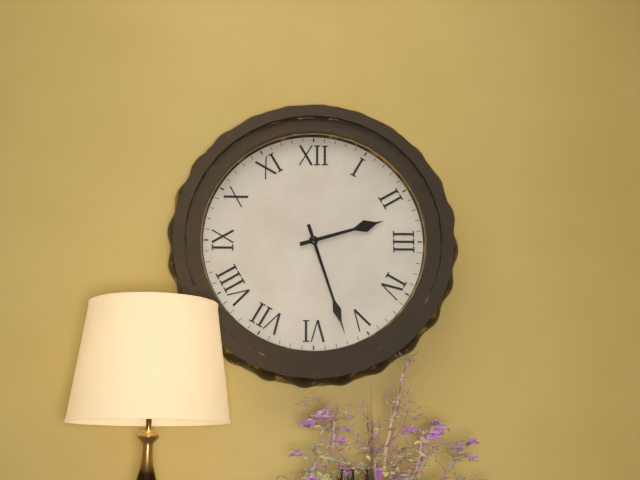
2:27
